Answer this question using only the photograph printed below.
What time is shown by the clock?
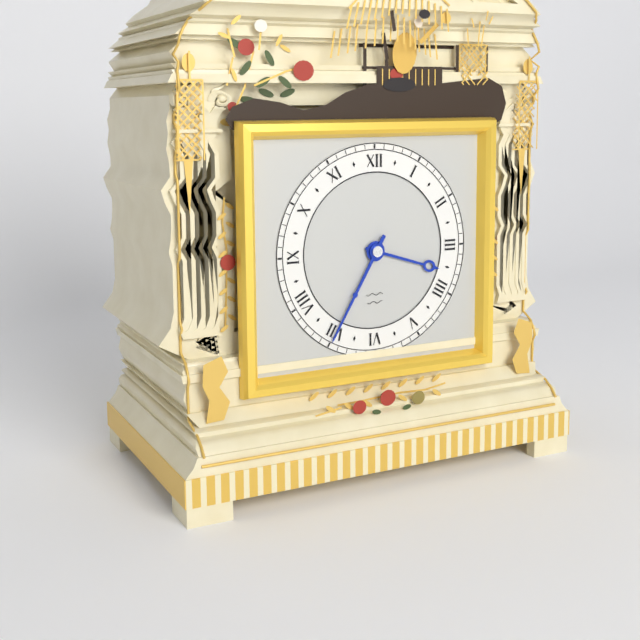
3:35
